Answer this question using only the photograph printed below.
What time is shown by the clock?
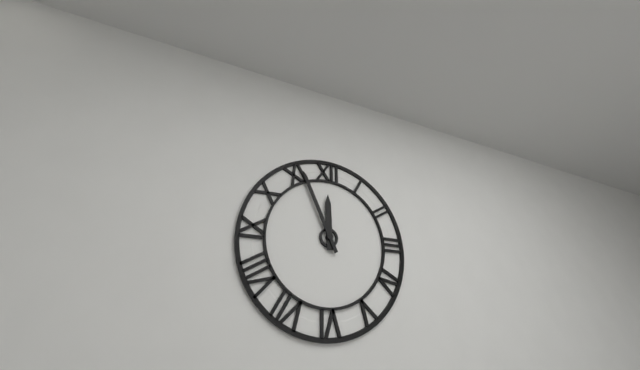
11:56
